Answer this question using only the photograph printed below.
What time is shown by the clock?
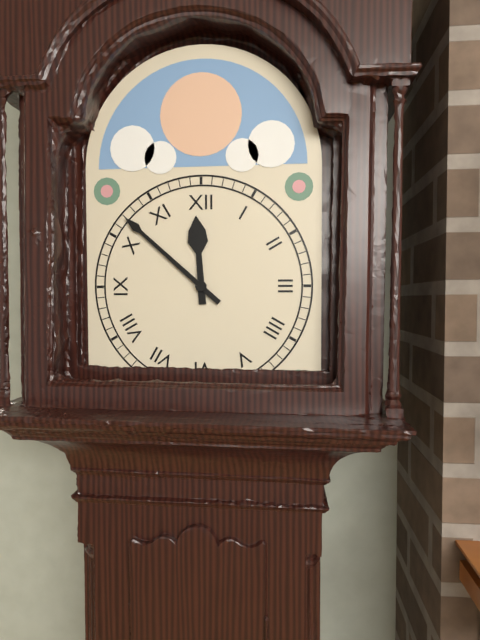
11:52
